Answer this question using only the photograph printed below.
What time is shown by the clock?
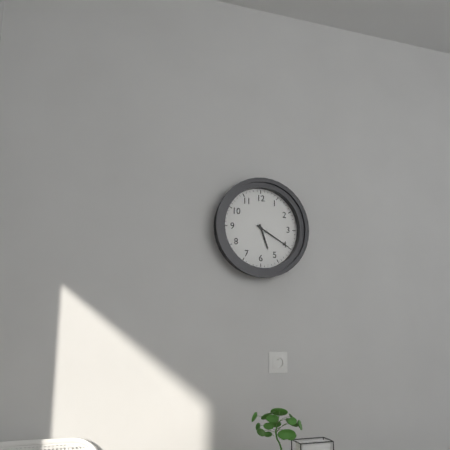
5:20
